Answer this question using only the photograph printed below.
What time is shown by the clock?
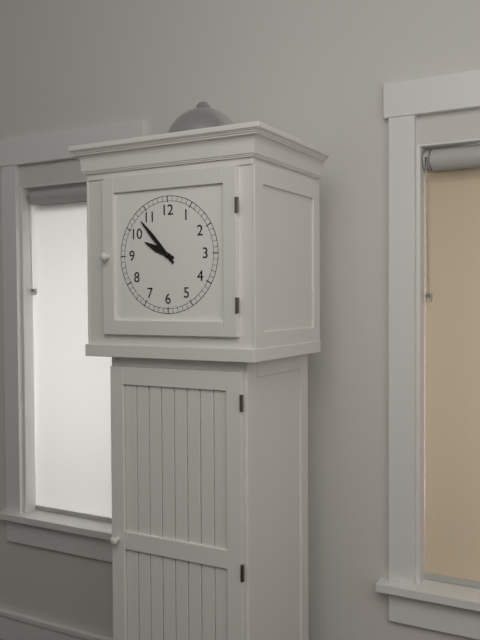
9:53
